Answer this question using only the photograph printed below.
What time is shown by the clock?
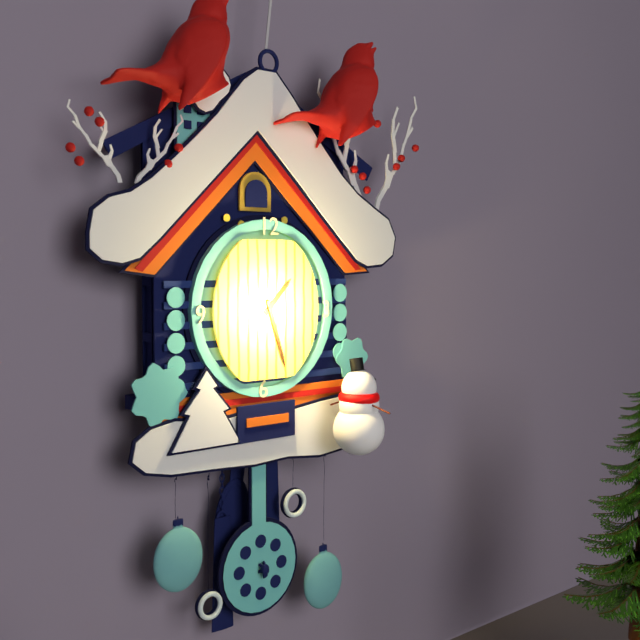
1:27
